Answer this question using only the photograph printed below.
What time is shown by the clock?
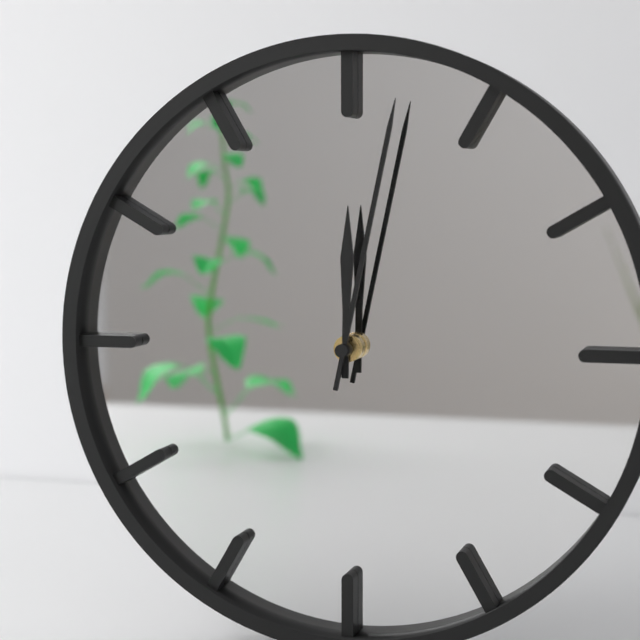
12:02
